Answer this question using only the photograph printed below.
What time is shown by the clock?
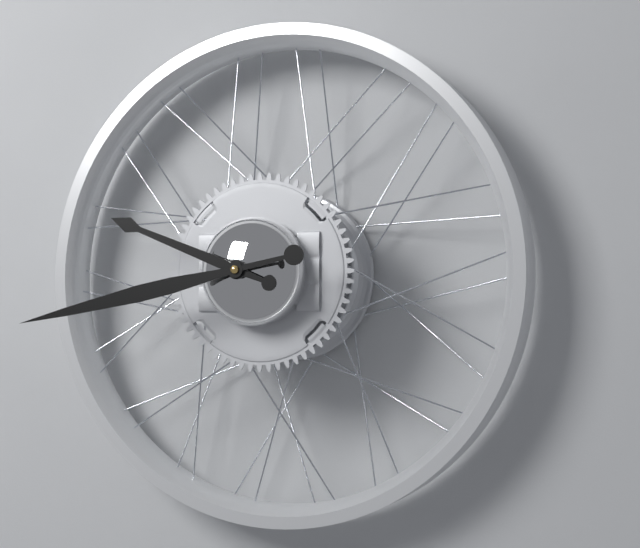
9:43
